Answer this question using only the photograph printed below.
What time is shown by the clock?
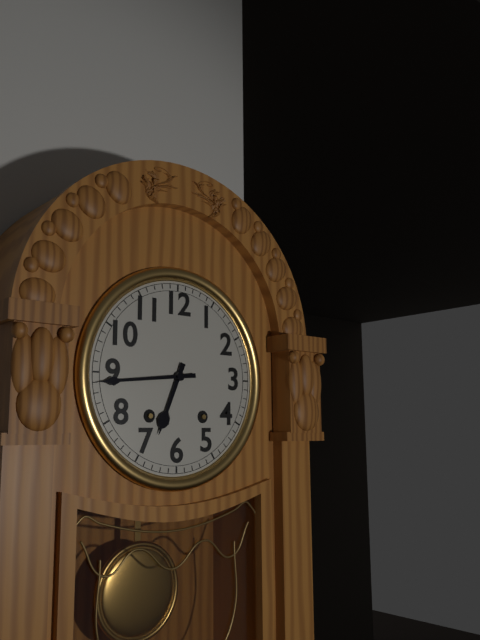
6:44
